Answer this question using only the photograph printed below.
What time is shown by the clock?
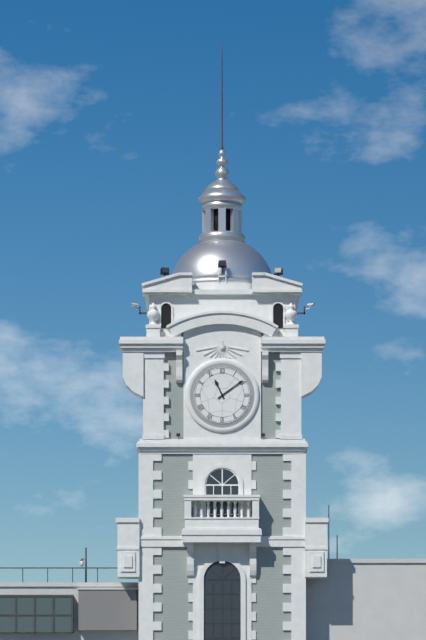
11:09
